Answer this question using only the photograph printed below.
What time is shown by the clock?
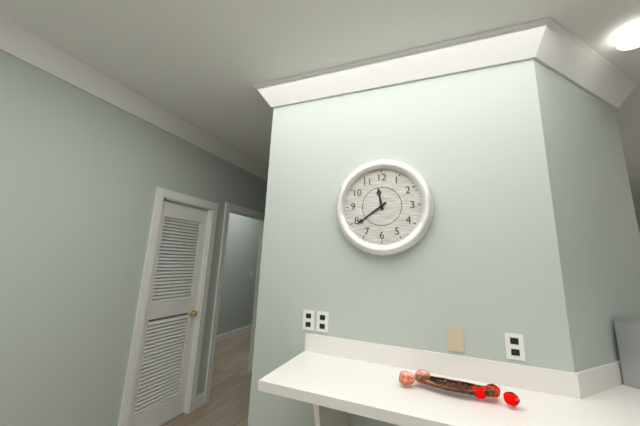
11:39
